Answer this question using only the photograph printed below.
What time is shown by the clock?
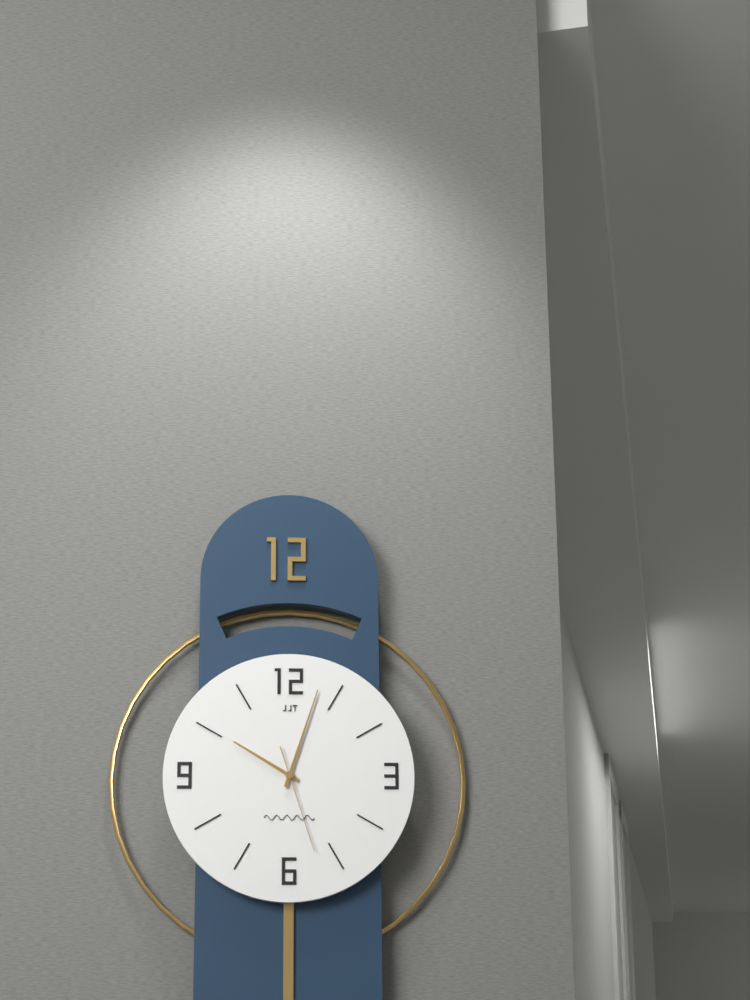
10:03:27
